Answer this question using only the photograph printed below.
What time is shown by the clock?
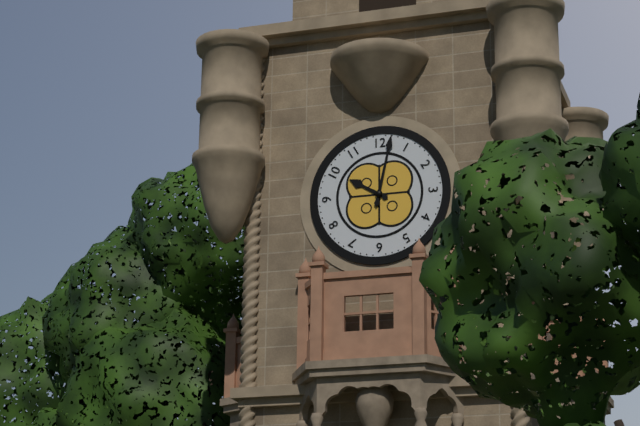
10:02
